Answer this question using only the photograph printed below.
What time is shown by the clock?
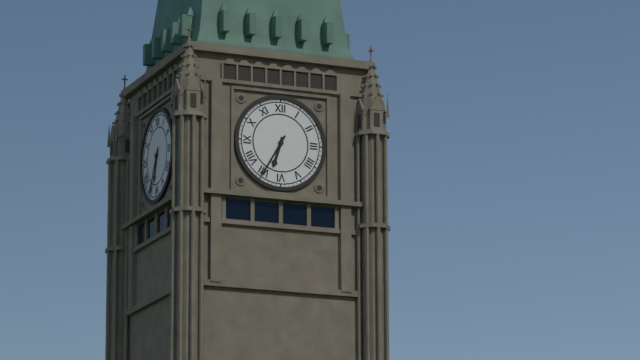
6:35
